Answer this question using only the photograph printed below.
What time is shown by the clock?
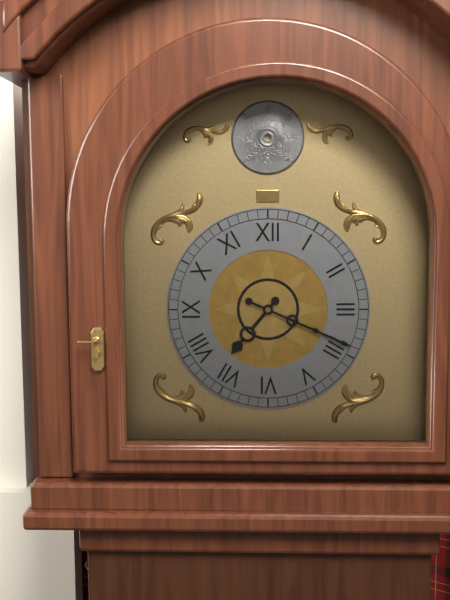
7:19
